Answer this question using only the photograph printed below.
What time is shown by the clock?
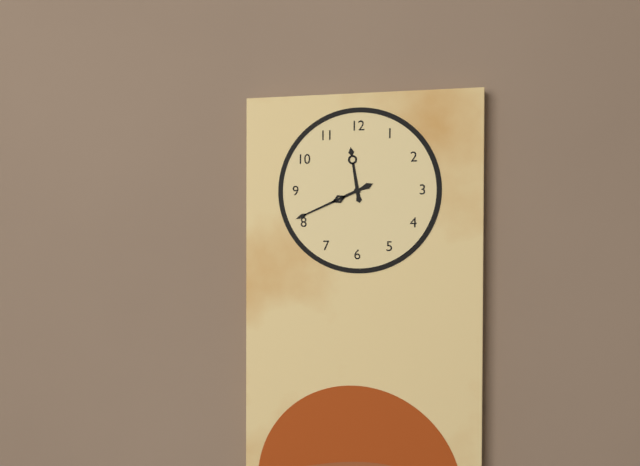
11:41
